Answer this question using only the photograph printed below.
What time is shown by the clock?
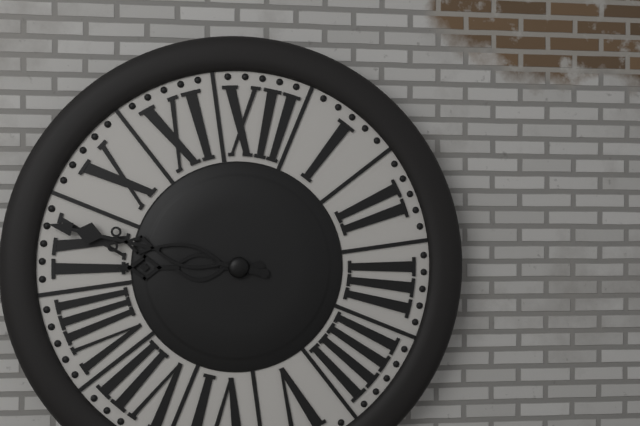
8:46
